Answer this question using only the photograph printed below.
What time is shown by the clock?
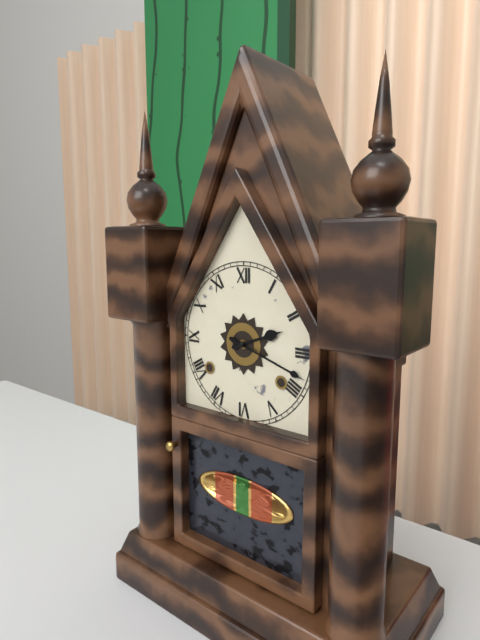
2:18
